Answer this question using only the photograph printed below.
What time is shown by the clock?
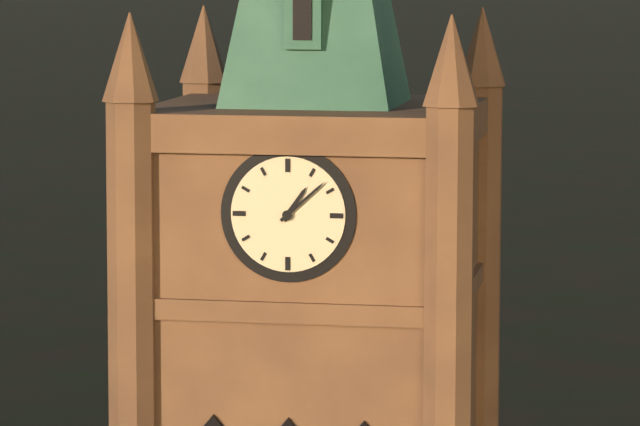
1:08
